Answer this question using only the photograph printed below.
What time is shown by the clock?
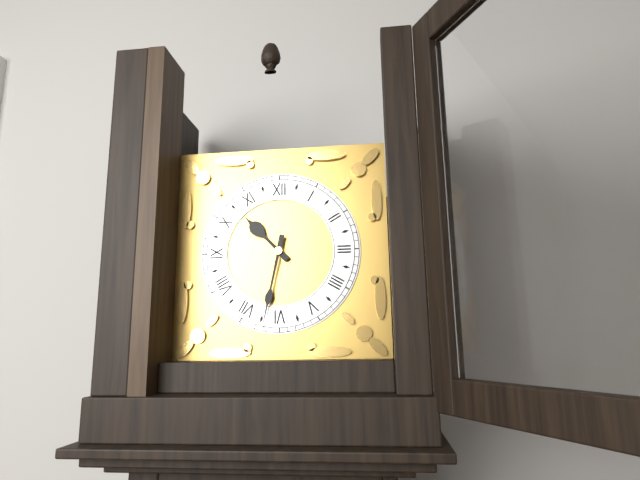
10:32
